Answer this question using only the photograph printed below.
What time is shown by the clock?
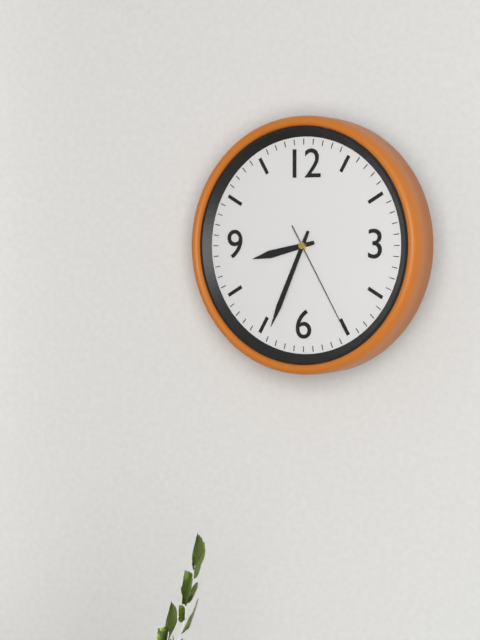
8:34:25
